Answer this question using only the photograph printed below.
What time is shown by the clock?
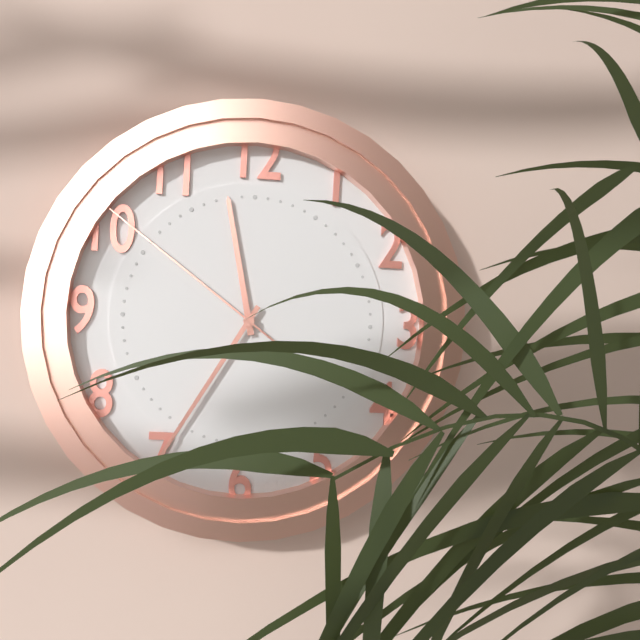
11:35:51
